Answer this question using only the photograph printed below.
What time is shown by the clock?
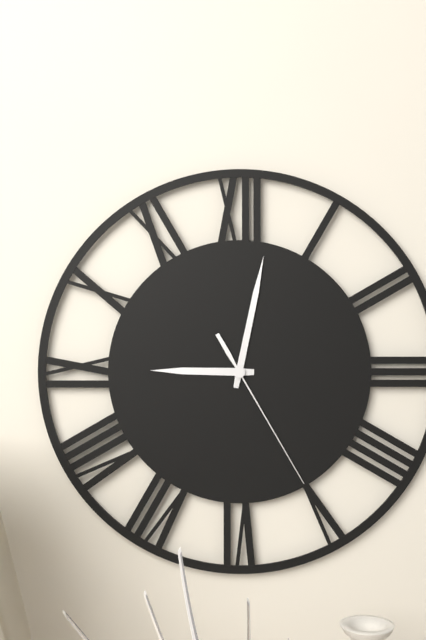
9:02:25
